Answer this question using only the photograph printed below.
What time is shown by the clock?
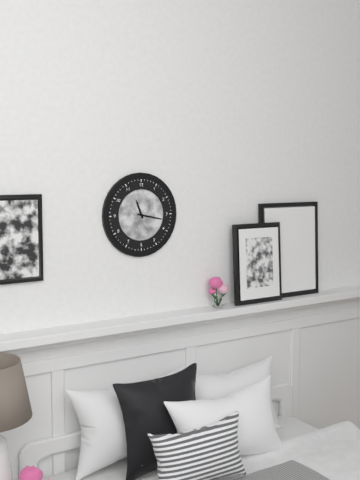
11:17
